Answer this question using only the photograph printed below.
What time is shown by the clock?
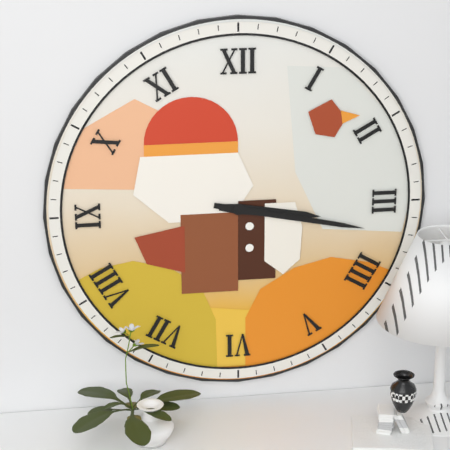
3:17
